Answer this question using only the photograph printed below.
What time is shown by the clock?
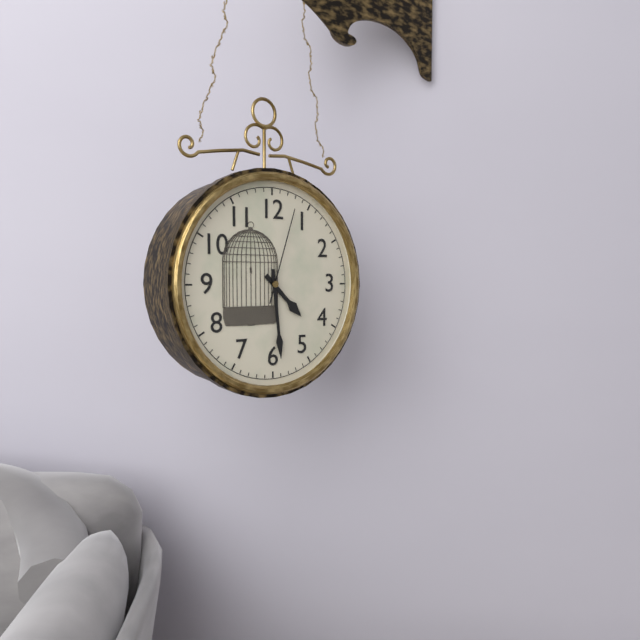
4:29:03
